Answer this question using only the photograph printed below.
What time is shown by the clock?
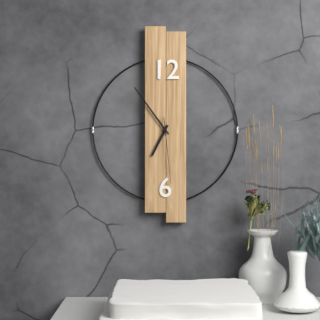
6:54:29
